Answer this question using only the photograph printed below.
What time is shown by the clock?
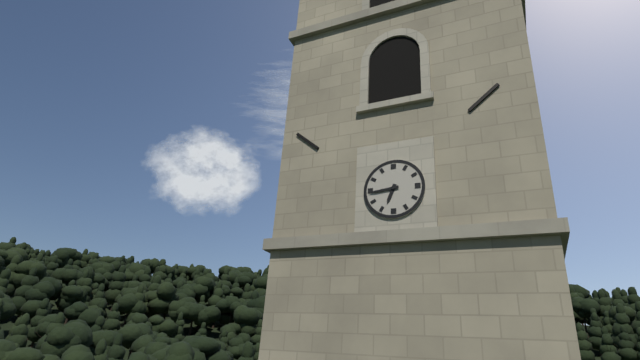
6:44
